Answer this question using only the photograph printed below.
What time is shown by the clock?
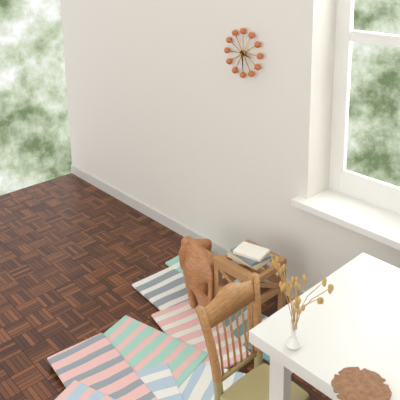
3:29
